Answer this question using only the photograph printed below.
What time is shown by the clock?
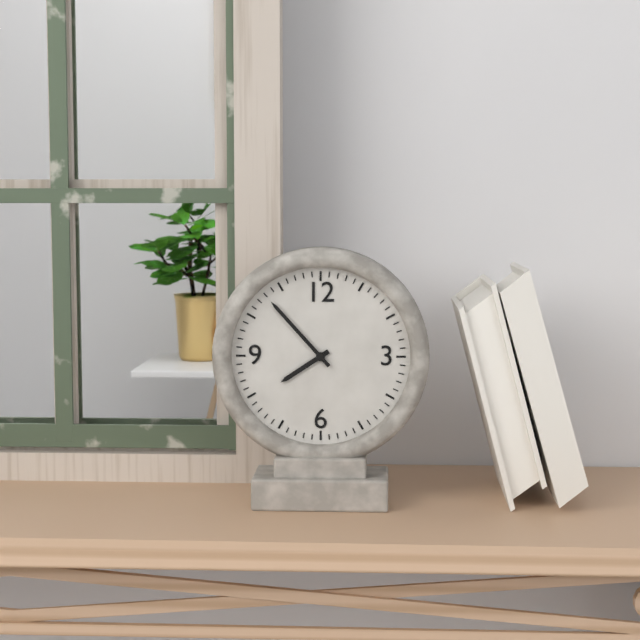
7:53
